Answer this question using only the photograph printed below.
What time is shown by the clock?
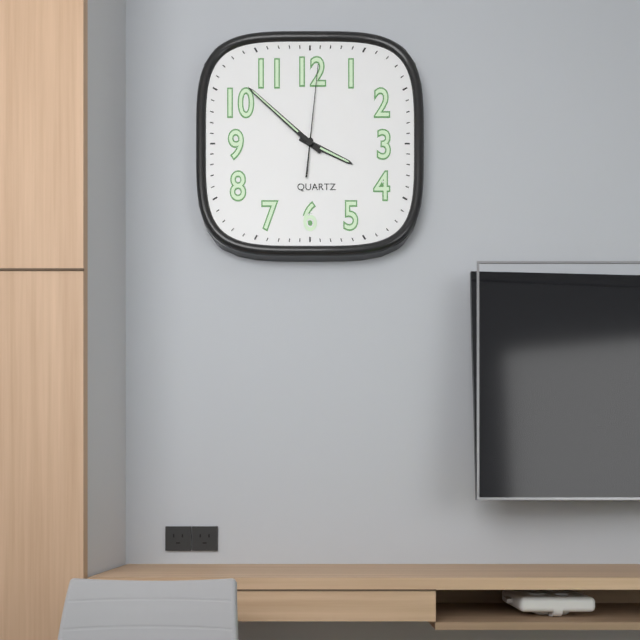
3:52:01
